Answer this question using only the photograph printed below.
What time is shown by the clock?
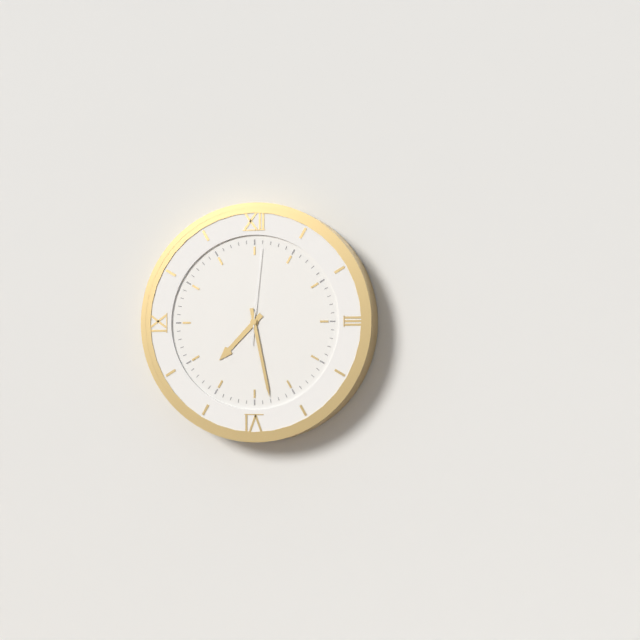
7:28:01
